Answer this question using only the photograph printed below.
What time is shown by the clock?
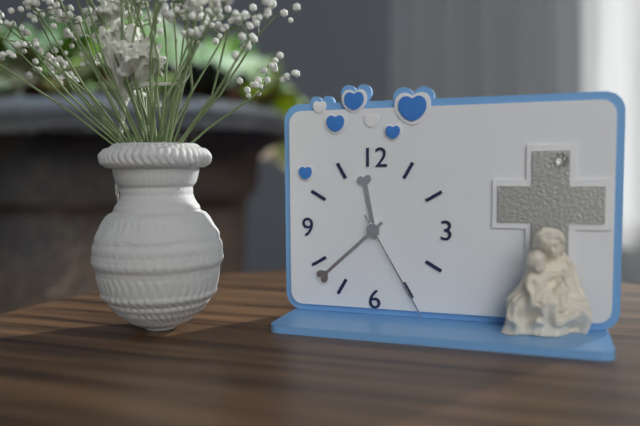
11:38:25
